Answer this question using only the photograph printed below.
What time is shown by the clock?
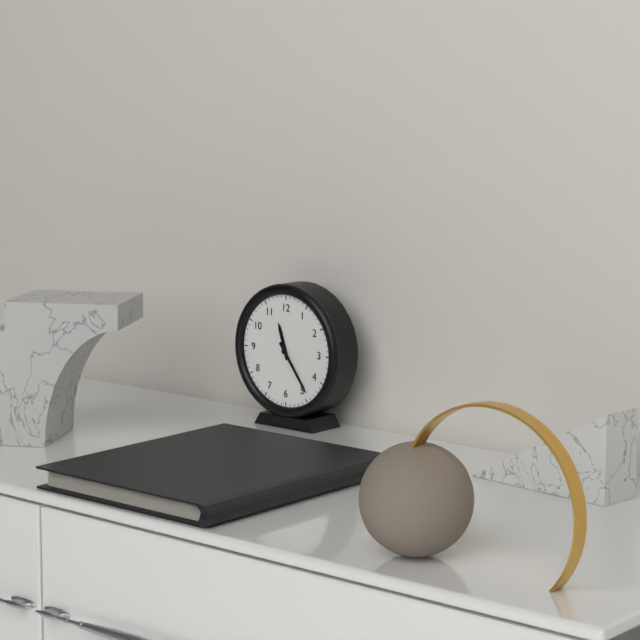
11:24
